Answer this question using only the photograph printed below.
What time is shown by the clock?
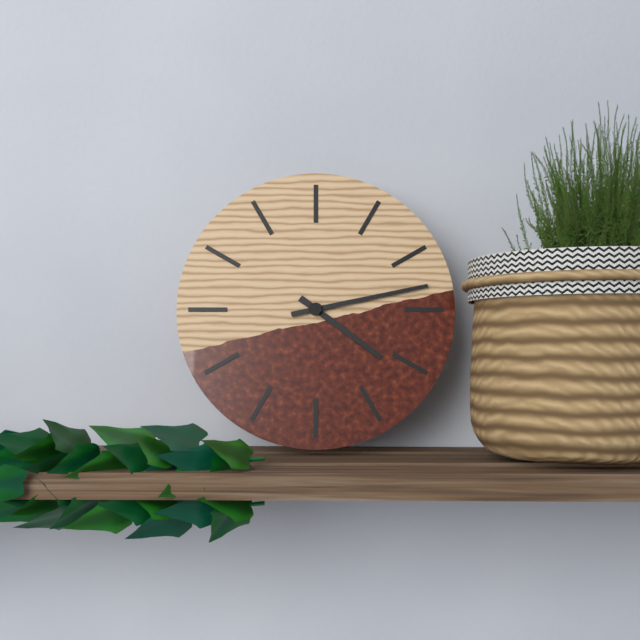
4:13
